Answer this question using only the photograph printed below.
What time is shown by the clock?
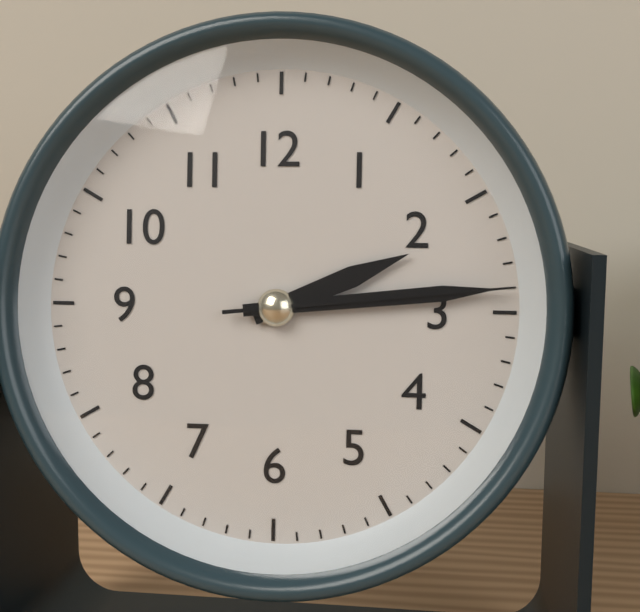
2:14:14
